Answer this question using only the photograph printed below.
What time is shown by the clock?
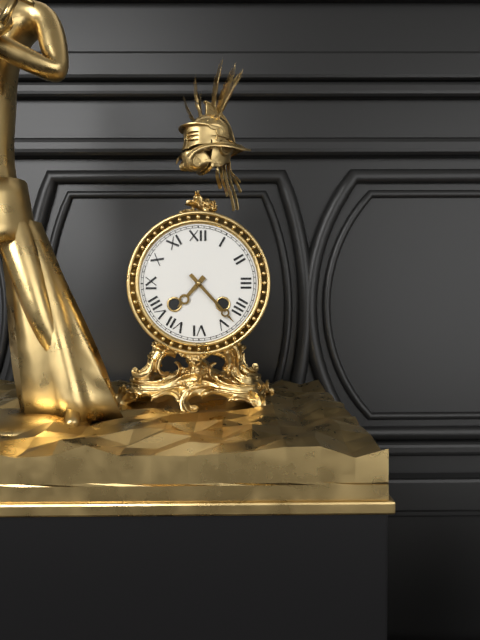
7:23
